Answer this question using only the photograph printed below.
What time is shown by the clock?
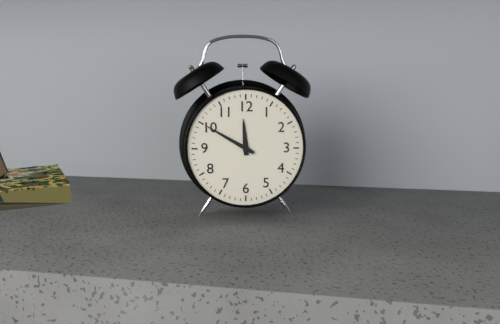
11:50
